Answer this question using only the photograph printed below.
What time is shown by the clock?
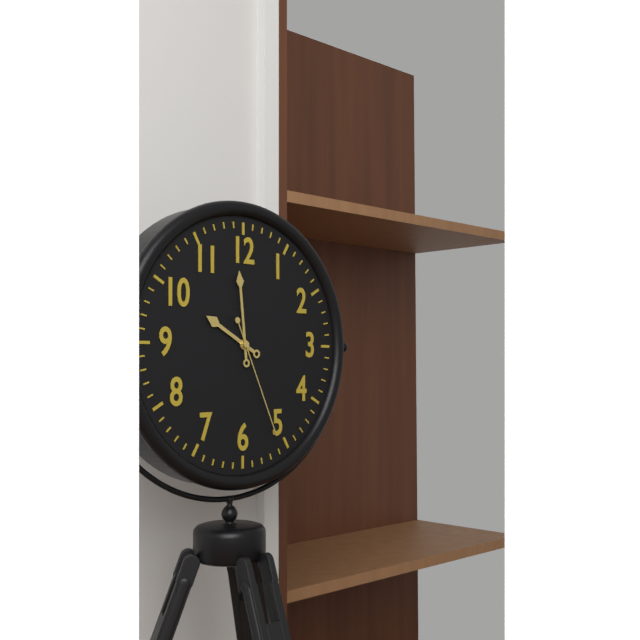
9:59:26
